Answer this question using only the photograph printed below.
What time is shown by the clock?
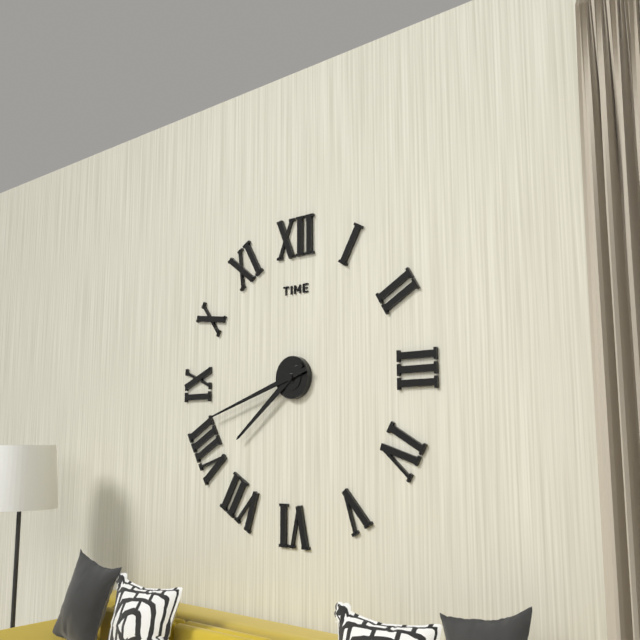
7:42
